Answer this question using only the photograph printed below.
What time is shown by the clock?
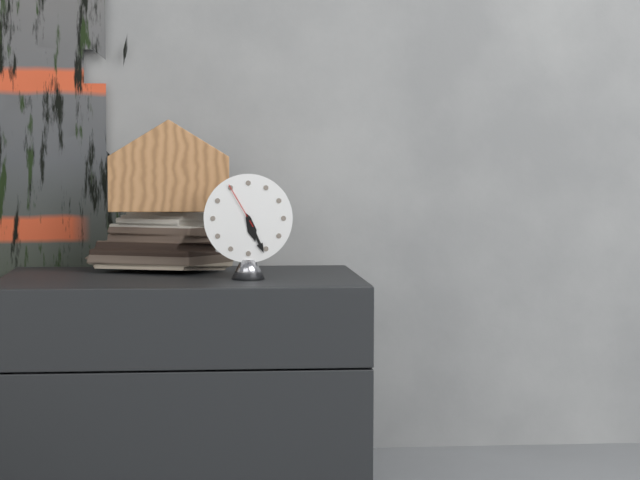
5:26
